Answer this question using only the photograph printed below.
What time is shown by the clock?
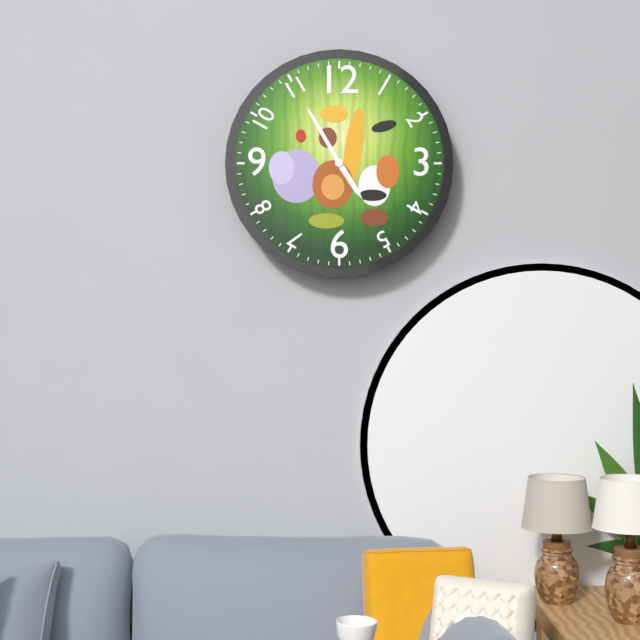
4:55
